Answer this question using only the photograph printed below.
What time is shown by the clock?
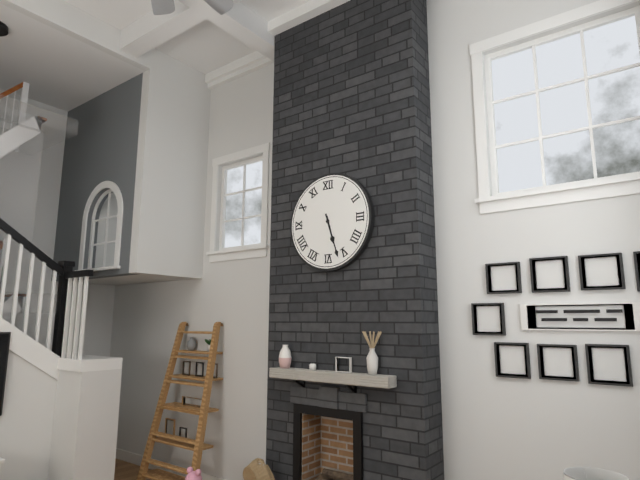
5:27
